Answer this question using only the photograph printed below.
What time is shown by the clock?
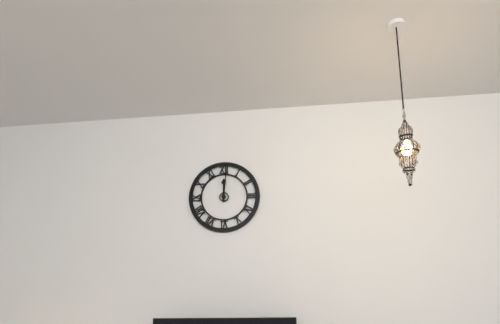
12:01
